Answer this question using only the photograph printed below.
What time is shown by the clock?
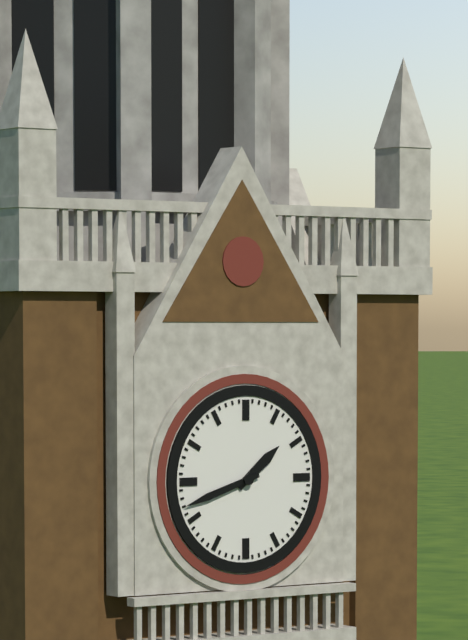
1:42
